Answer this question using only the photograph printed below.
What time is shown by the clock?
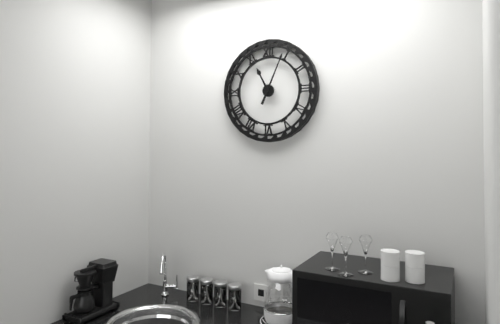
11:04
